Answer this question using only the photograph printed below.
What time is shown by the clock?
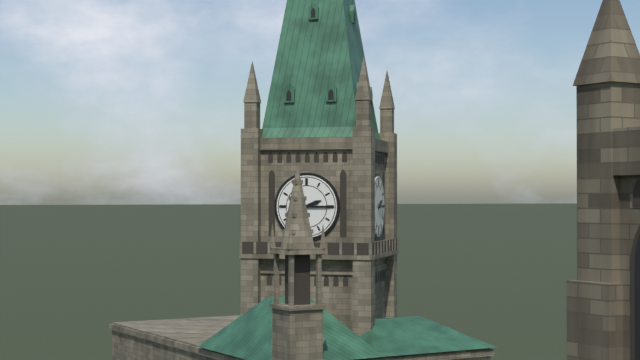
2:15
